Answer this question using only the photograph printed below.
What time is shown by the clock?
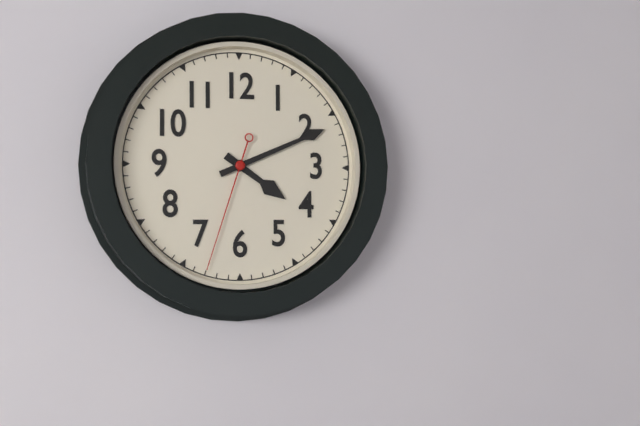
4:11:33
